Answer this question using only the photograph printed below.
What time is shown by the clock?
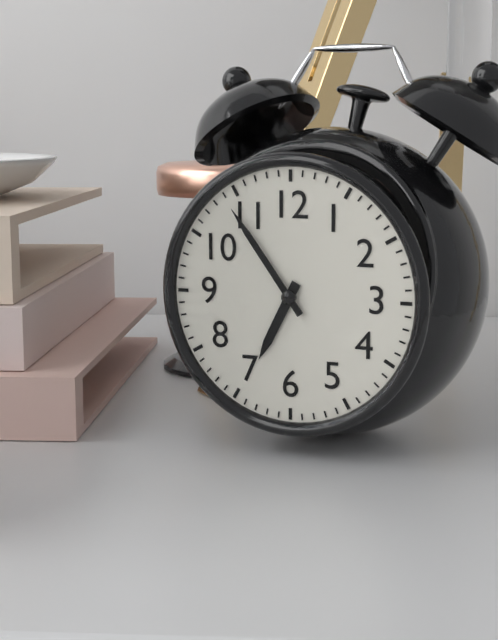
6:54
